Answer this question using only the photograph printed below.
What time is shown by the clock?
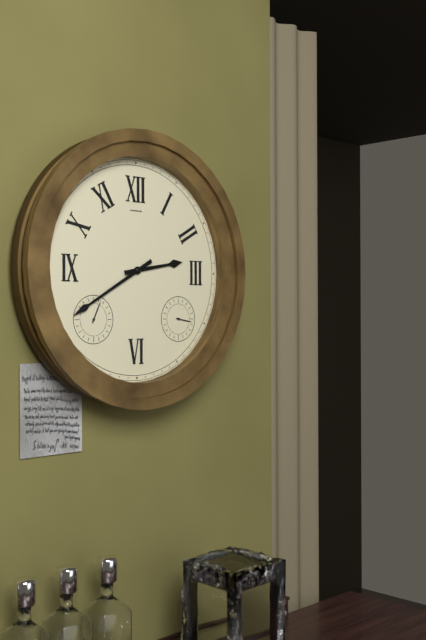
2:40
